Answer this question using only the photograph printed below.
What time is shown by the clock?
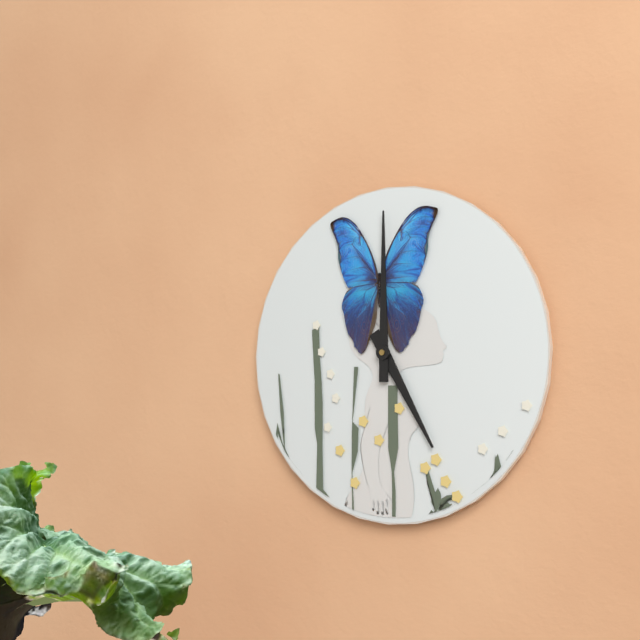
5:00
